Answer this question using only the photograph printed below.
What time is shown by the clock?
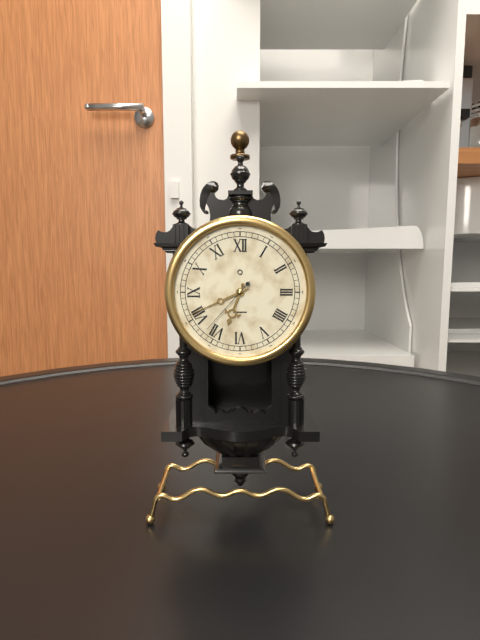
6:41:37
